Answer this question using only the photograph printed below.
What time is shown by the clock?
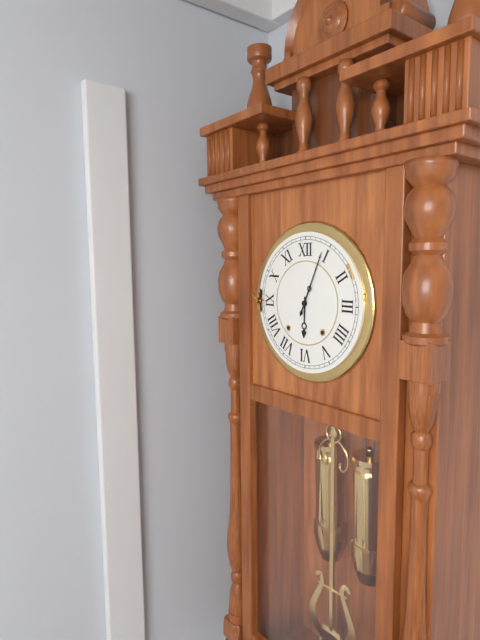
6:04
